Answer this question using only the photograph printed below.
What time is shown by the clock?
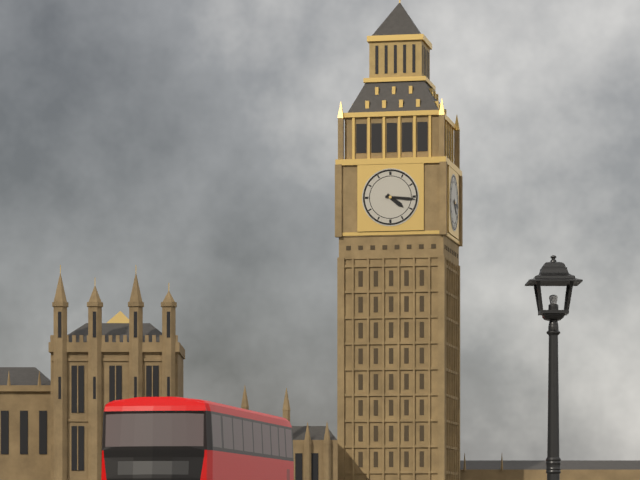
4:16
